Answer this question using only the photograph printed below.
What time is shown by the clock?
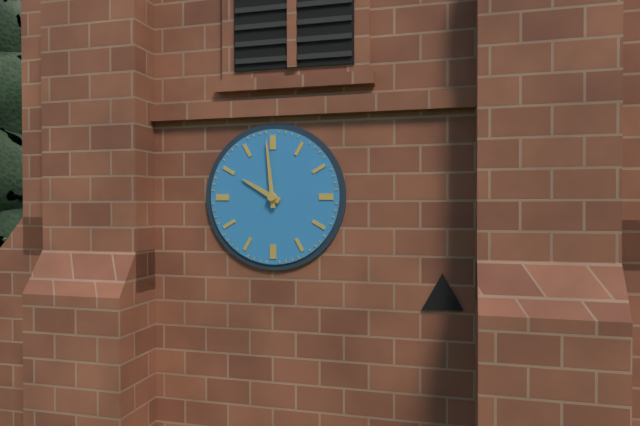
9:59
